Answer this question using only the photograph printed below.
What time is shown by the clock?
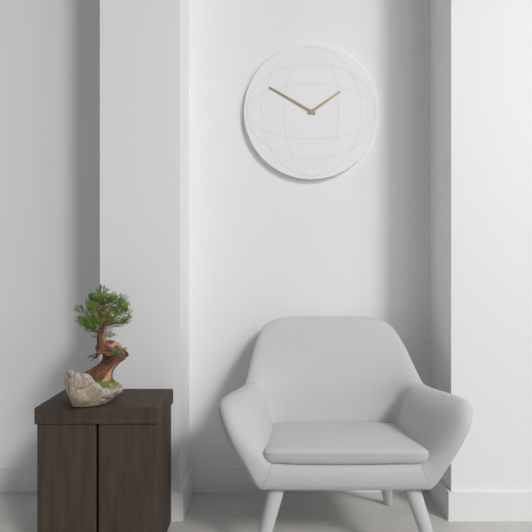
1:50
